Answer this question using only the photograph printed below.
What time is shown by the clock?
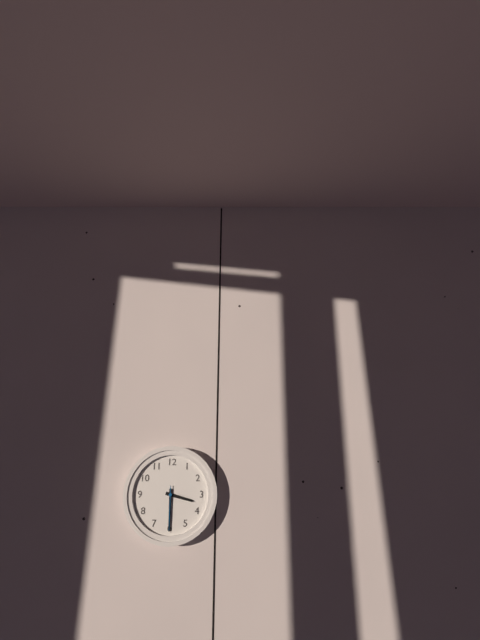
3:30
